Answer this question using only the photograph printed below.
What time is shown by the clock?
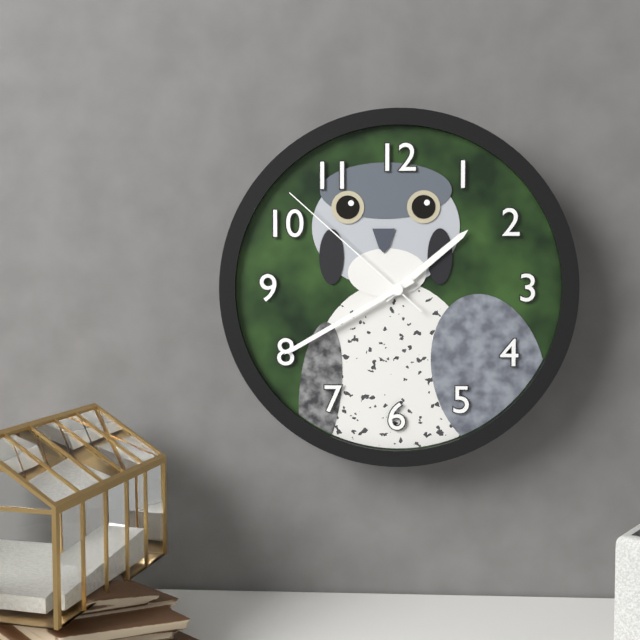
1:40:52
